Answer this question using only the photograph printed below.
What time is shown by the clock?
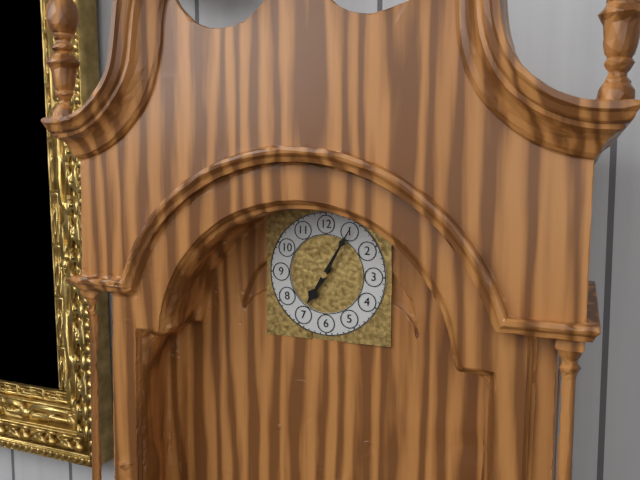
7:05
